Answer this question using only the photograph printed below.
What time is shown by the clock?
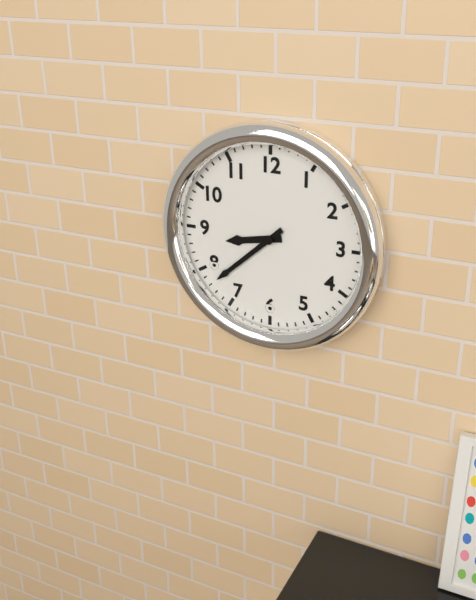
8:38
